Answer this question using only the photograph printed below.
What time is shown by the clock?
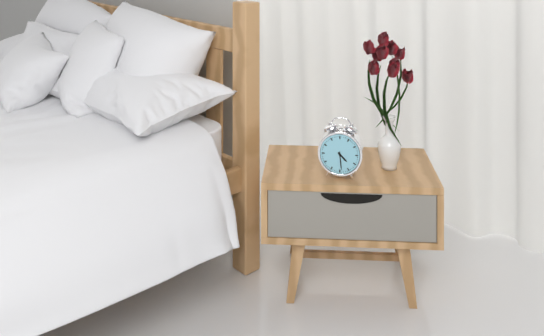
4:29
